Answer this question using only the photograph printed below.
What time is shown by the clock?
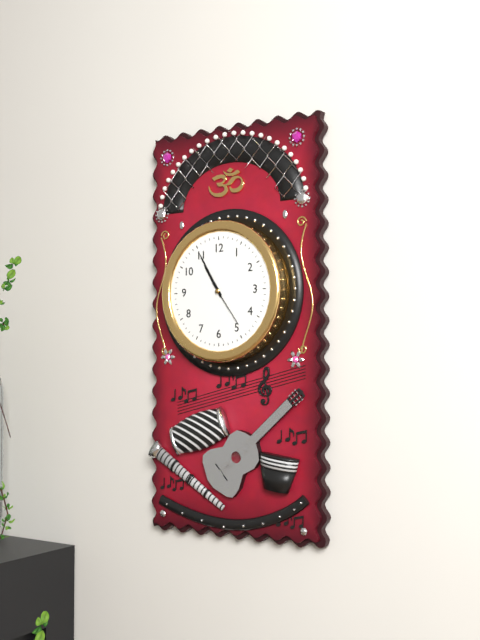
10:55:24
